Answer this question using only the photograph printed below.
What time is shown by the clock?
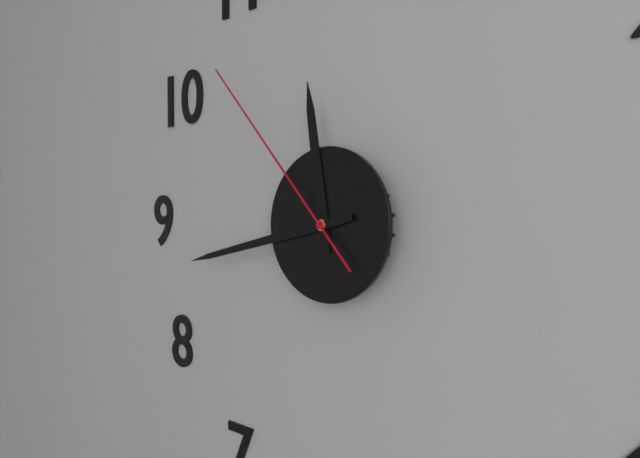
11:43:53
